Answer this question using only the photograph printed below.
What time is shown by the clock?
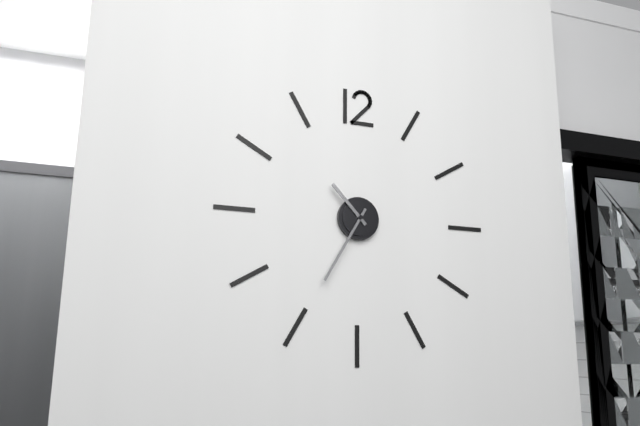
10:35
